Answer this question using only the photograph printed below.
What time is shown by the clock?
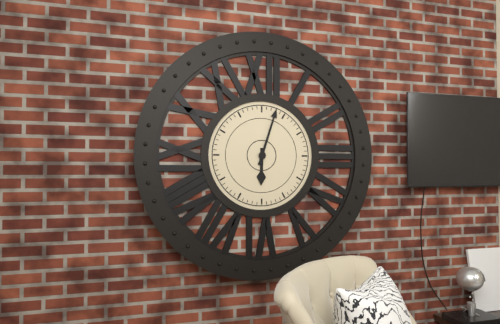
6:03
